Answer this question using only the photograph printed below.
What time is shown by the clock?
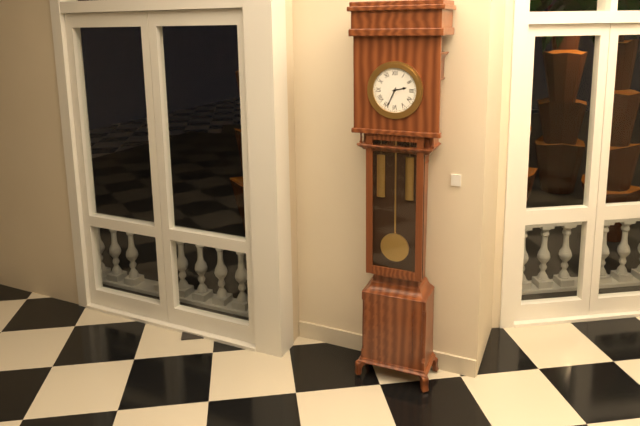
2:34
